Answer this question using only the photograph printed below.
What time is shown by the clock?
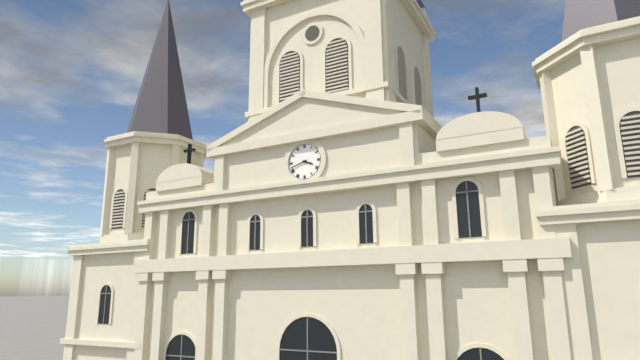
3:42
